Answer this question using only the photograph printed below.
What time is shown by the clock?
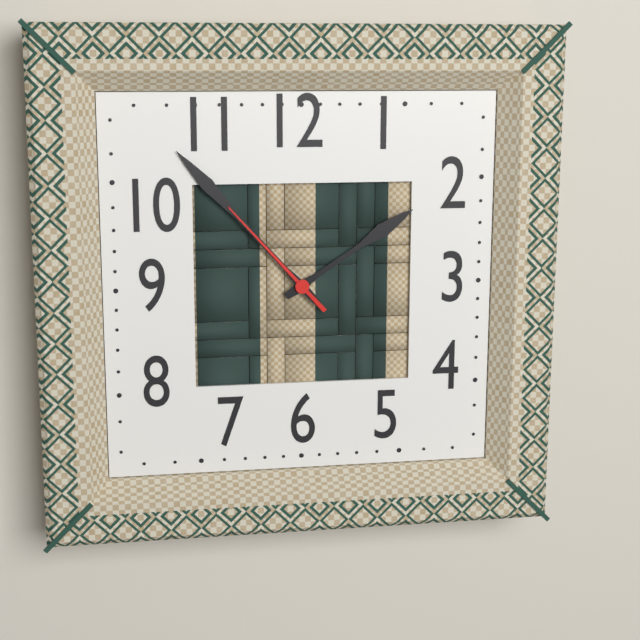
1:53:53
